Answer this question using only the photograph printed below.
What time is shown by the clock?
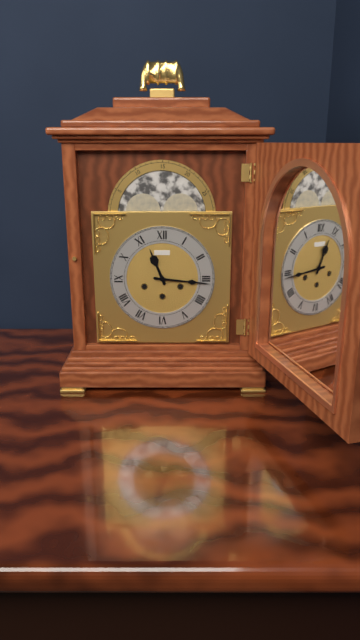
11:16
